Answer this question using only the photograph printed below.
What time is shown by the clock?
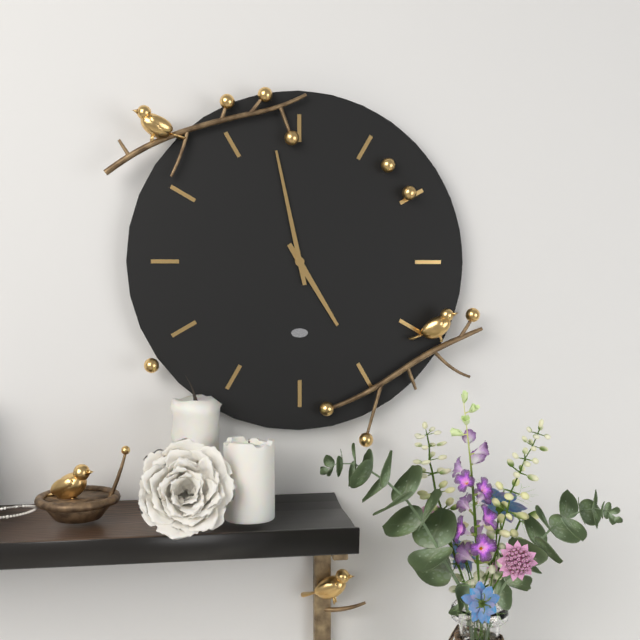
4:58
